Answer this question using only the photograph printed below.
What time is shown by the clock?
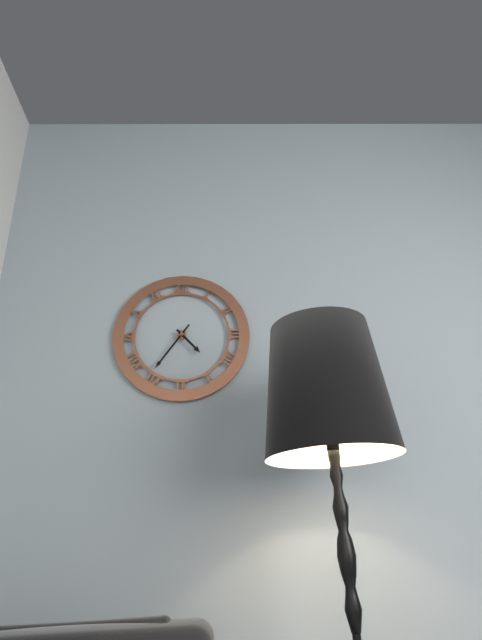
4:36
